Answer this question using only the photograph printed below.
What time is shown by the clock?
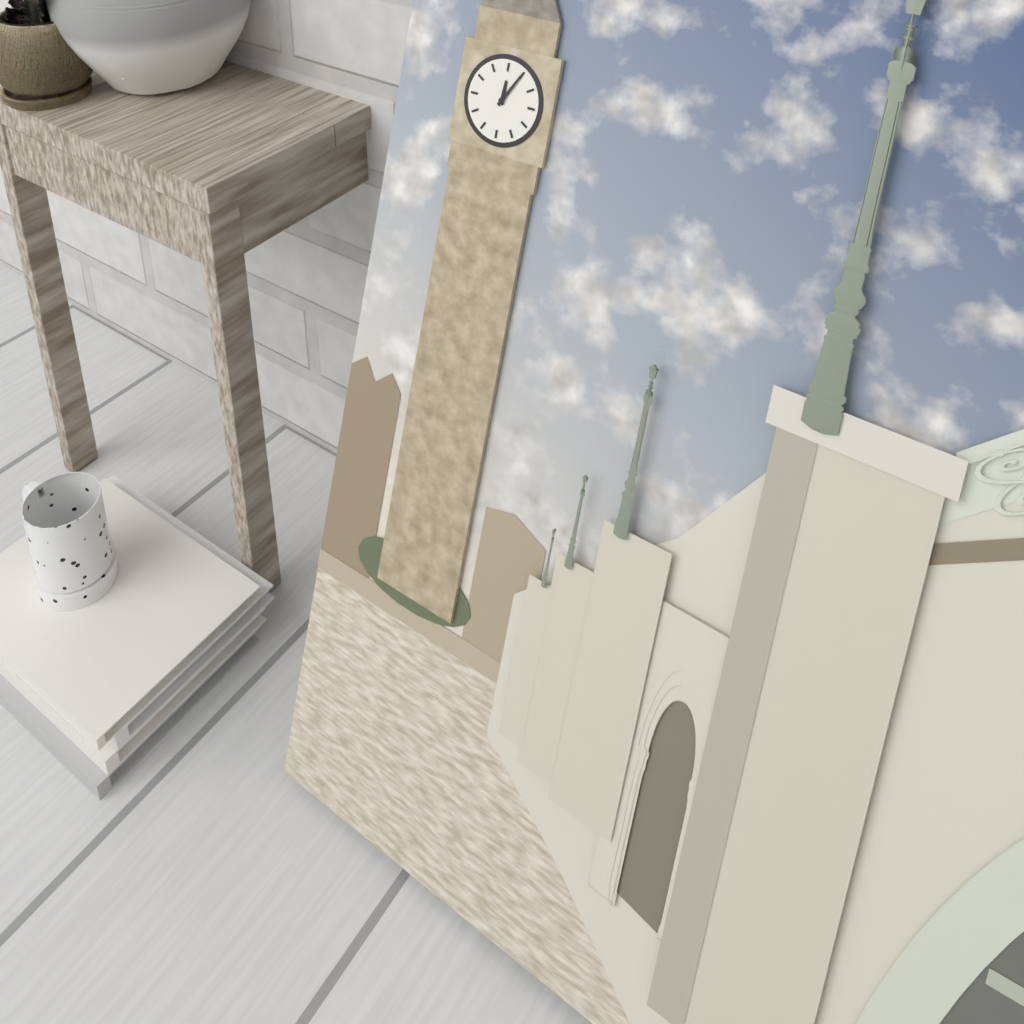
12:05
